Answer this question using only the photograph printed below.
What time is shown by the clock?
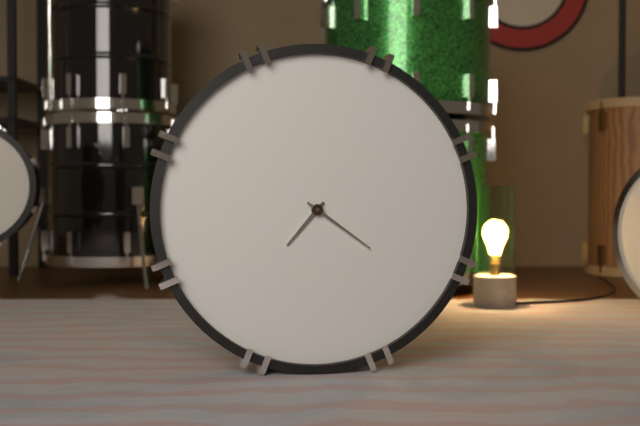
7:21
